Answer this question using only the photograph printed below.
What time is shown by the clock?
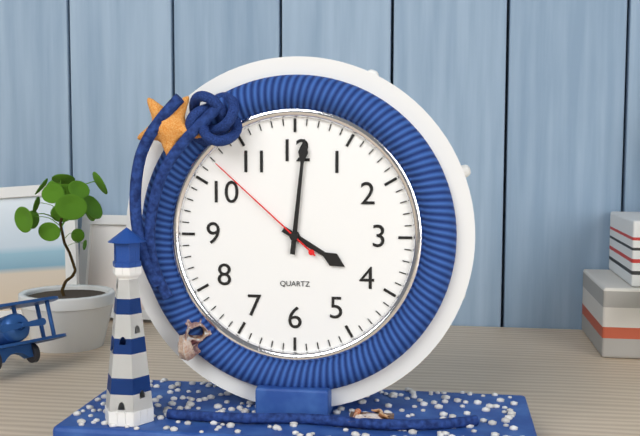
4:01:52
